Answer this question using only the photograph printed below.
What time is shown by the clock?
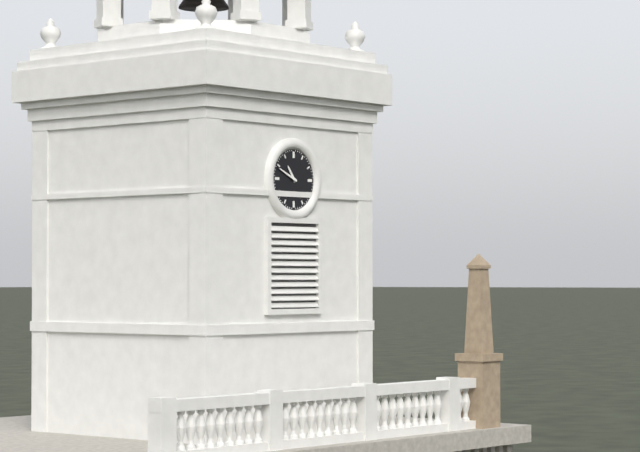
10:49
